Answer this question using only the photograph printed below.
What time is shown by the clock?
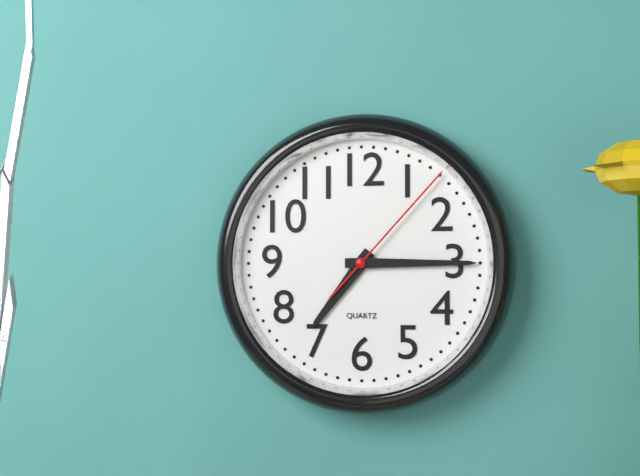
7:15:07
